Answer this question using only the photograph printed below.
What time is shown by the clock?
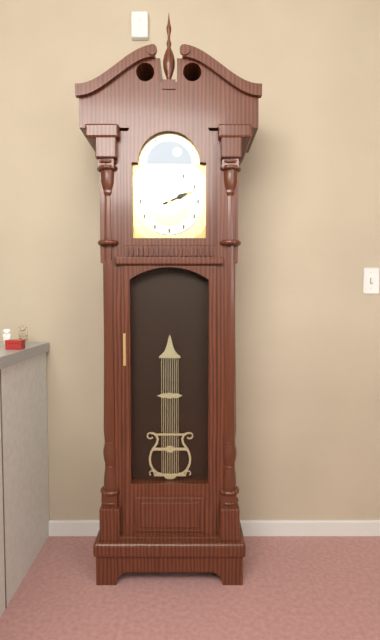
2:11
